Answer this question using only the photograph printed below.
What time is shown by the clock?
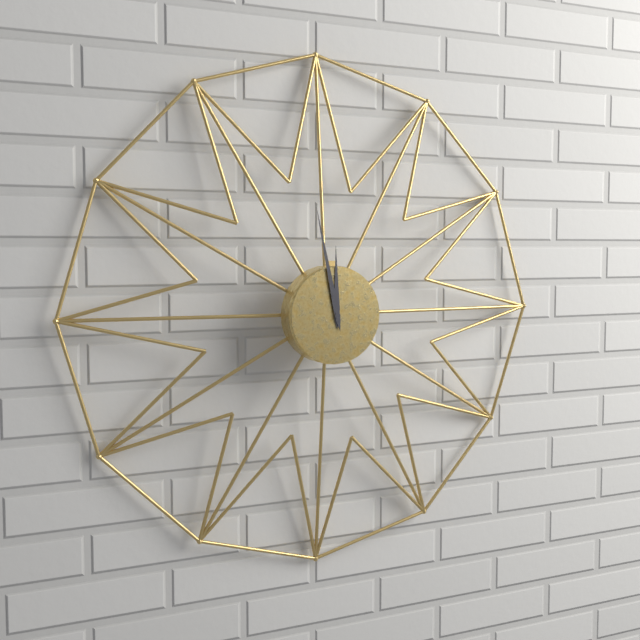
11:58
